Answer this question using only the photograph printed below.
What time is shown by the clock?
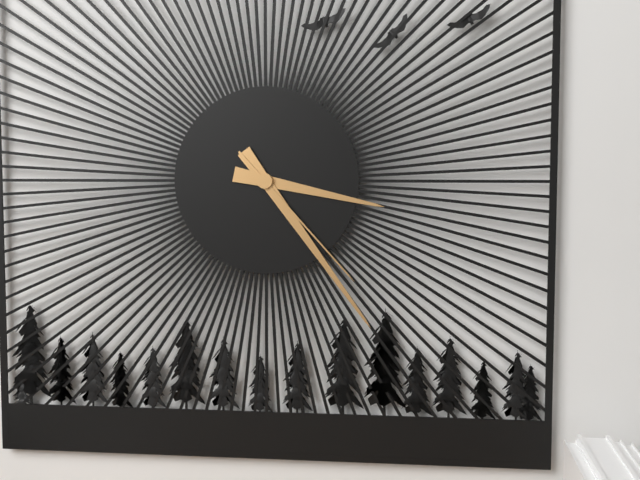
3:24:23
